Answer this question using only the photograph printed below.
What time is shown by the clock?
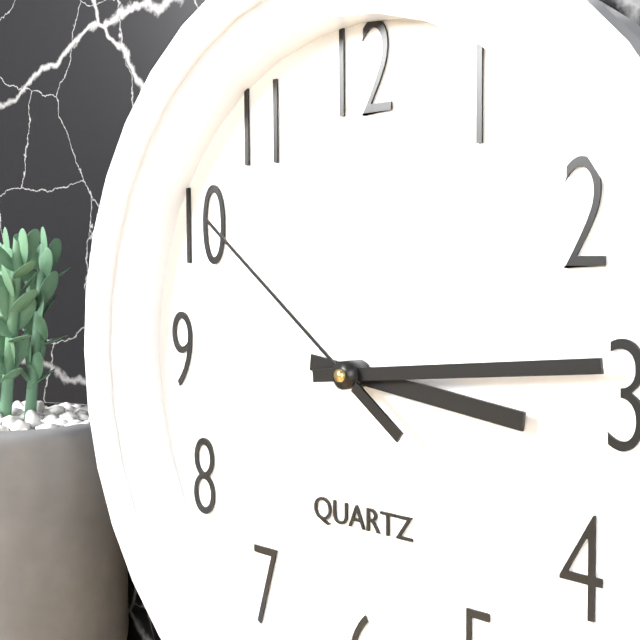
3:14:51
